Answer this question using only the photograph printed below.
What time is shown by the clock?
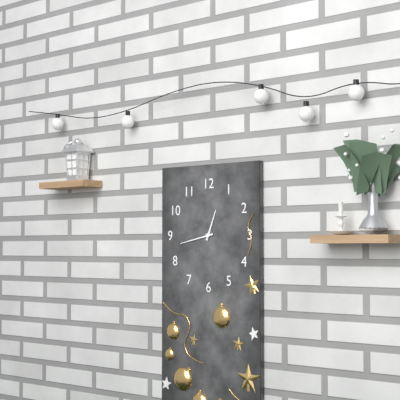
12:43
